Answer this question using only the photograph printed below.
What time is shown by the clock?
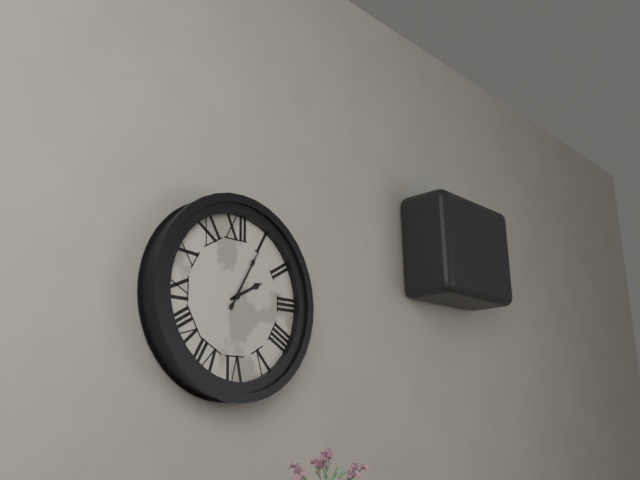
2:05
